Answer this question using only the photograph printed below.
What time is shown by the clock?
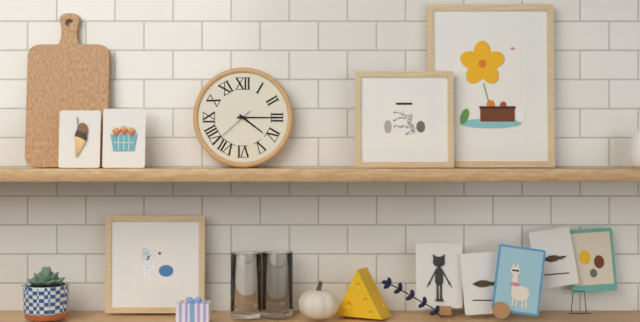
4:15
